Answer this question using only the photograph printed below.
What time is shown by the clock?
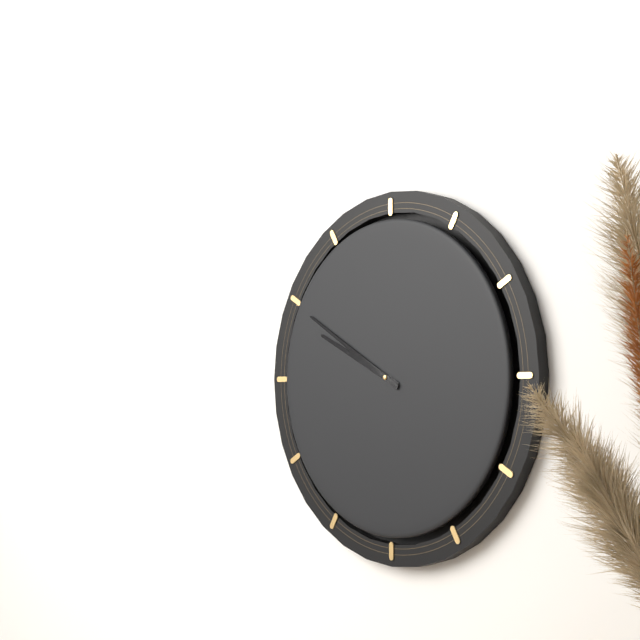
9:50
